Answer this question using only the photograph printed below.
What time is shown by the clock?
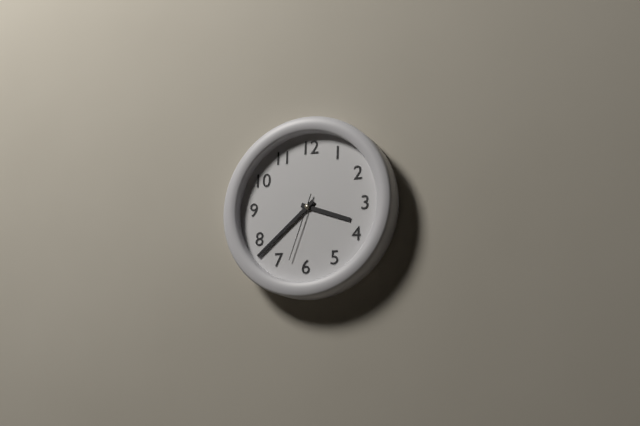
3:38:33
